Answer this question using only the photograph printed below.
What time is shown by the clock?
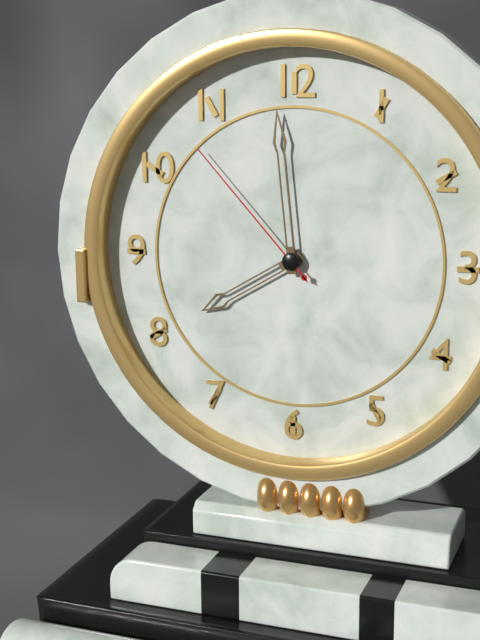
7:59:53
